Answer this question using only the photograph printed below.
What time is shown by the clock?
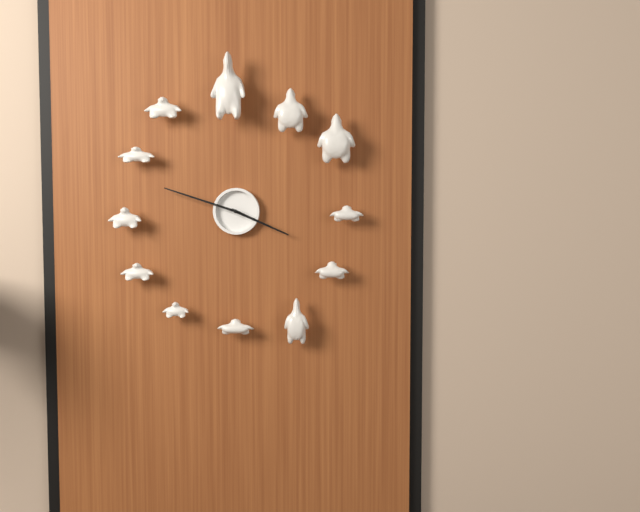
3:48
